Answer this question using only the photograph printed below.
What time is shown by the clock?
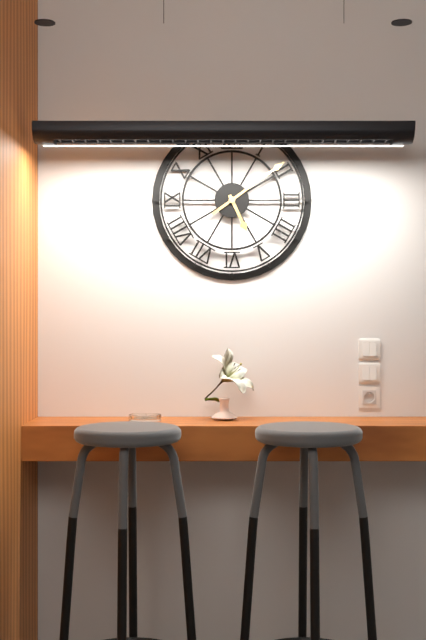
5:09
